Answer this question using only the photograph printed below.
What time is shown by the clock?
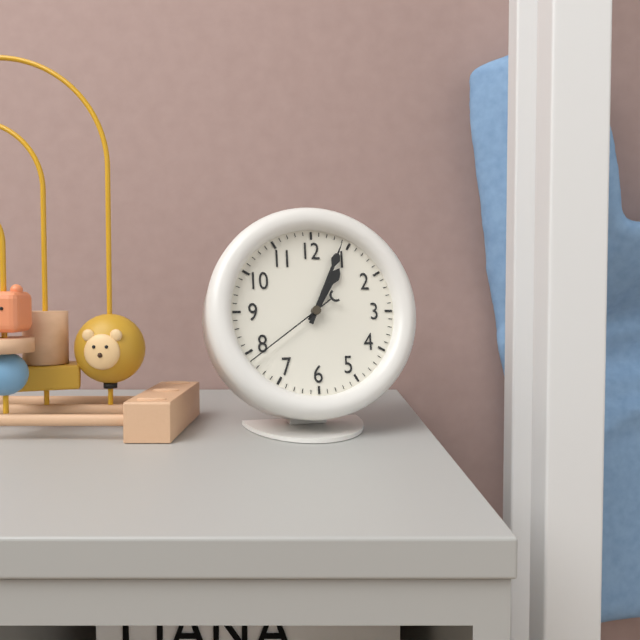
1:04:39
